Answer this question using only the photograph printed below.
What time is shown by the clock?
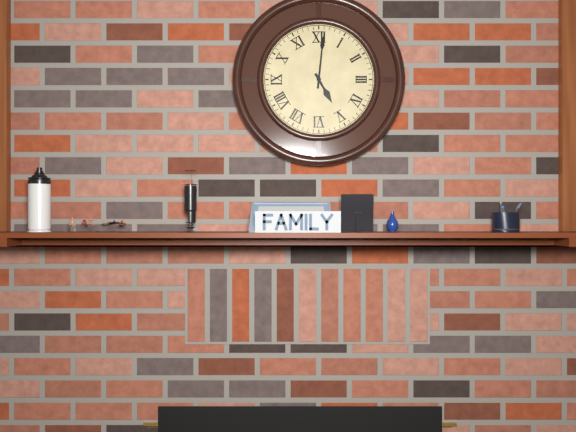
5:01
